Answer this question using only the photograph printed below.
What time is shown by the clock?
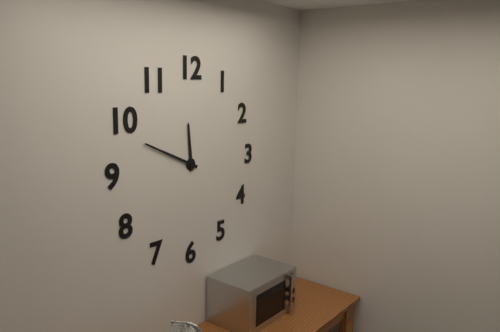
11:49
